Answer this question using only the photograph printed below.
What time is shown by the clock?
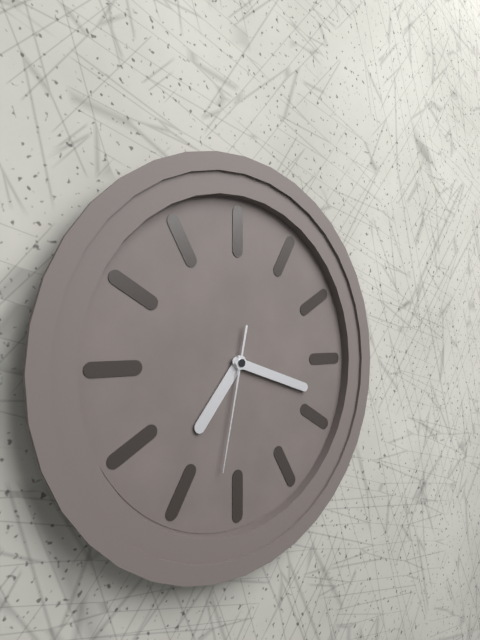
7:18:32
